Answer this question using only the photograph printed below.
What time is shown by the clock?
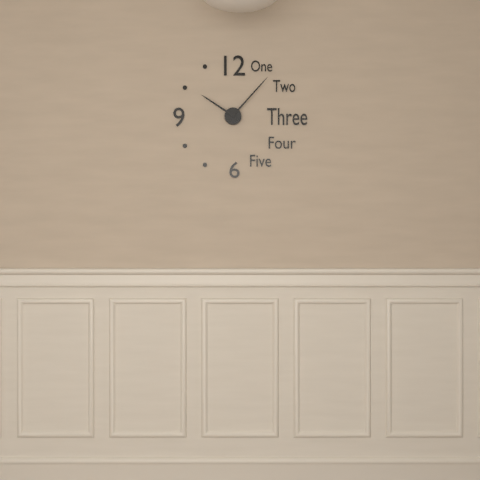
10:07
